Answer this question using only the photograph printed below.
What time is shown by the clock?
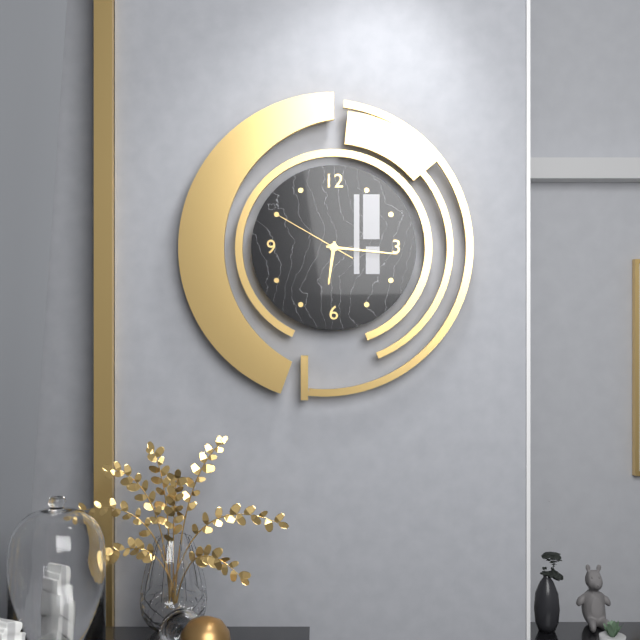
6:16:50
